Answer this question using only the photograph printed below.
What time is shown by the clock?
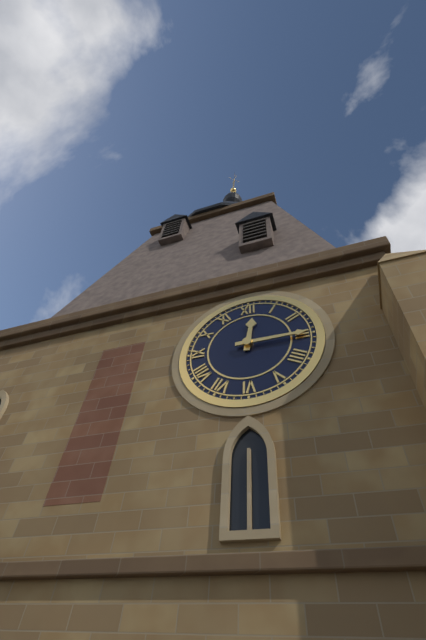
12:15
